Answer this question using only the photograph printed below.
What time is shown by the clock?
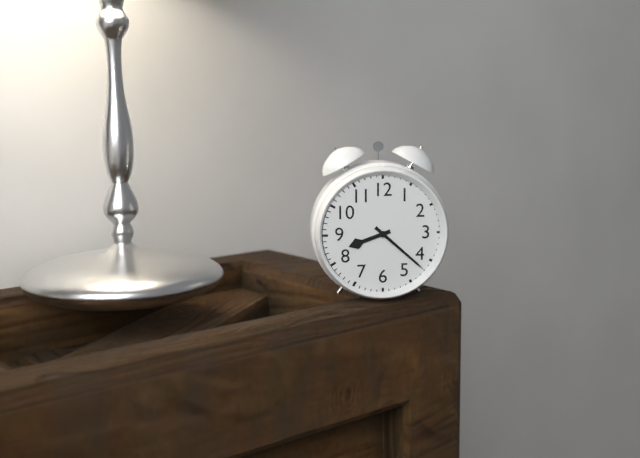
8:22
